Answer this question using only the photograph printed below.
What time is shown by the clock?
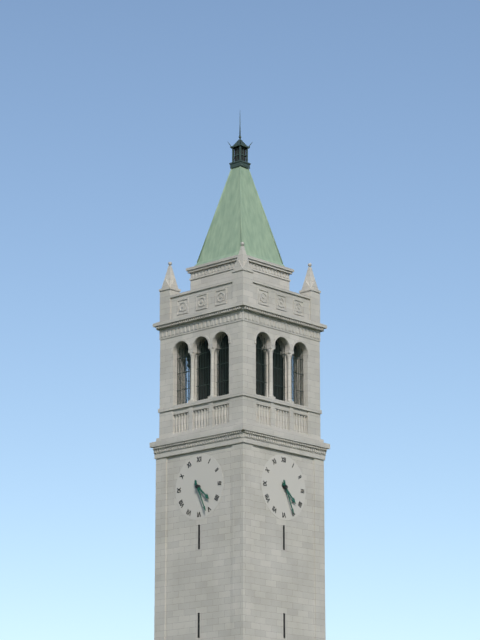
4:26
